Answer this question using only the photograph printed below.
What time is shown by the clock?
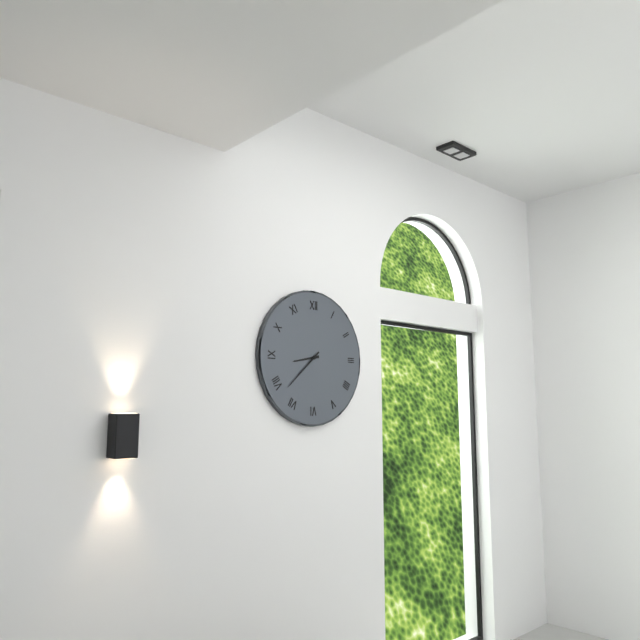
8:38
